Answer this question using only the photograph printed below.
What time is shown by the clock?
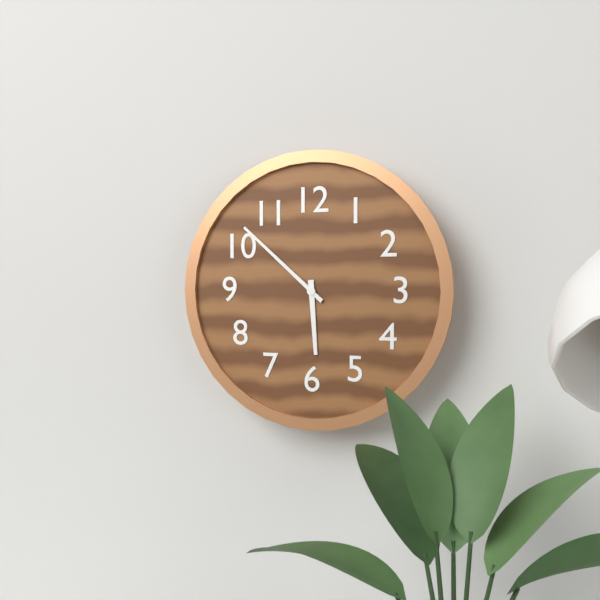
5:52
